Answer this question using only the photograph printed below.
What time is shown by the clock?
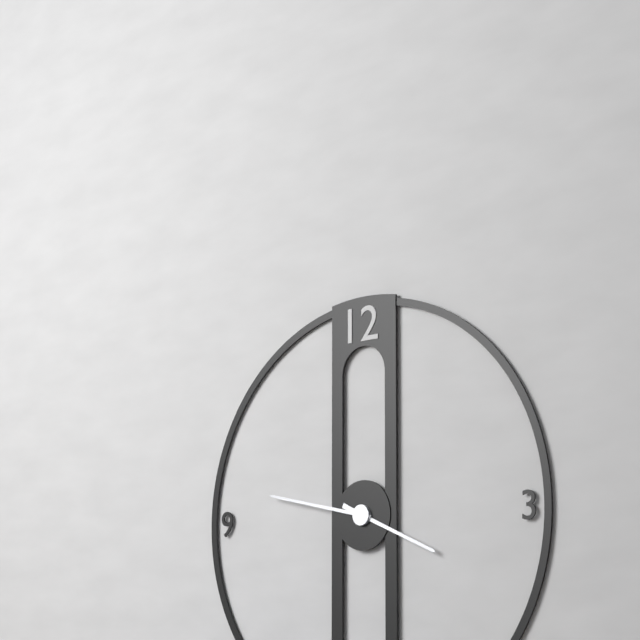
3:47
